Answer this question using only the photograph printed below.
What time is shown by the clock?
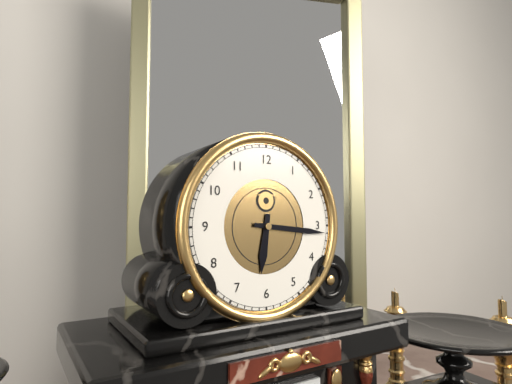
6:16
